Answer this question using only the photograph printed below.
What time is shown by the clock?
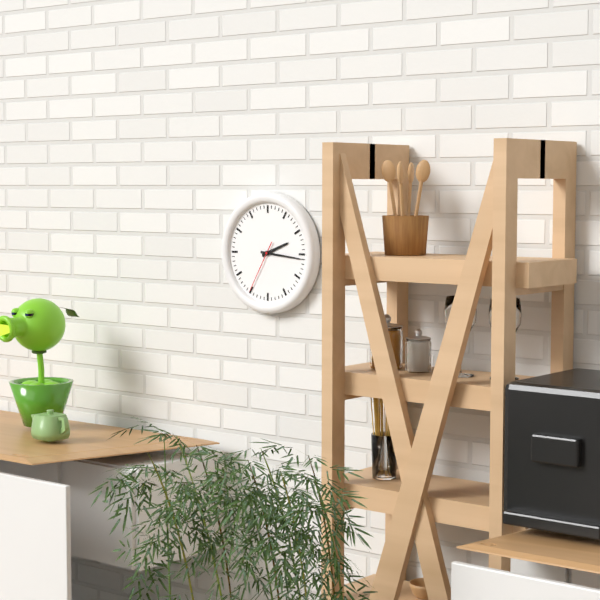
2:16:35
